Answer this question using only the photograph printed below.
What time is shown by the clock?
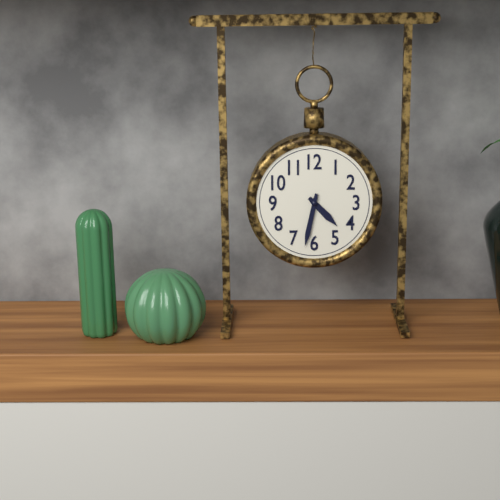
4:32
